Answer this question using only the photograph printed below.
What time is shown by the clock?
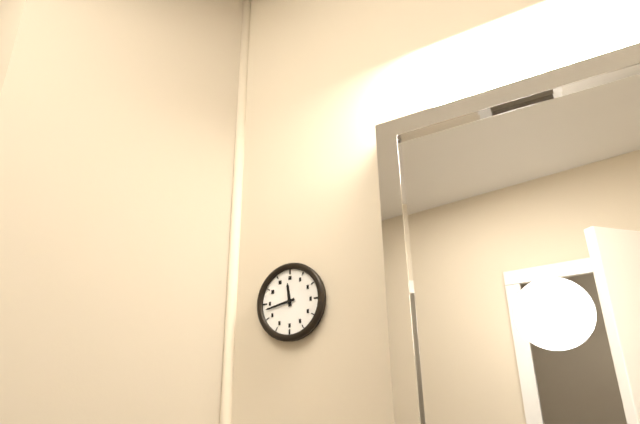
11:43
